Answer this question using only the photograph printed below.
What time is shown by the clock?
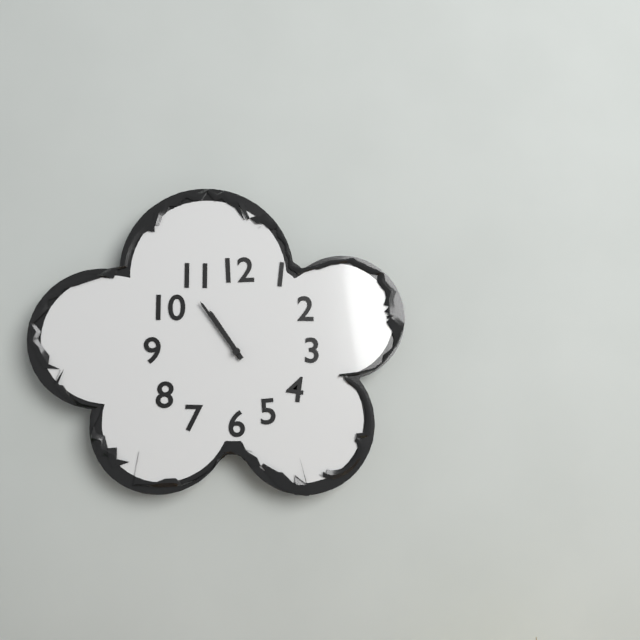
10:54
